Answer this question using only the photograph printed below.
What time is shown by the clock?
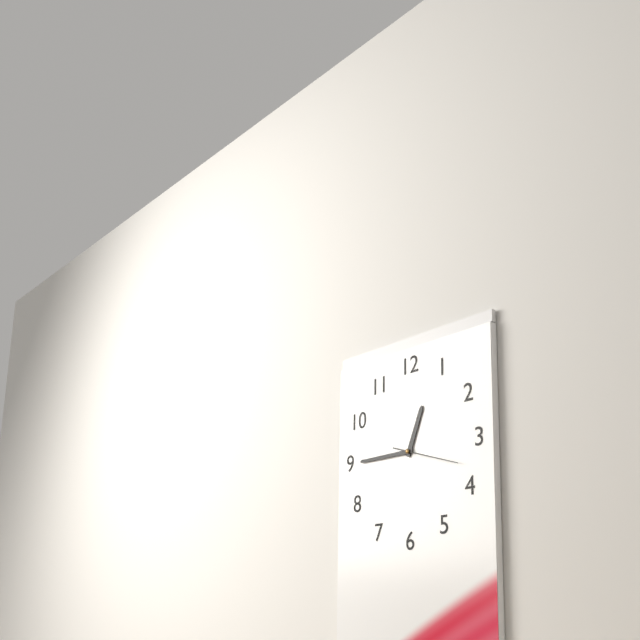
12:45:18
